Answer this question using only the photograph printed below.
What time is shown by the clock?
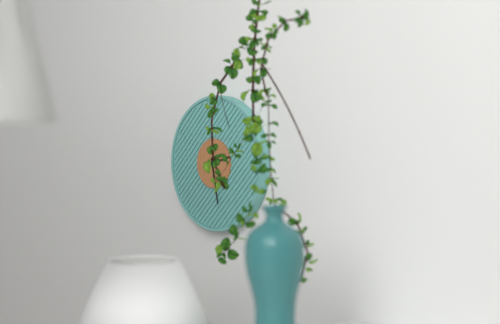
2:28
